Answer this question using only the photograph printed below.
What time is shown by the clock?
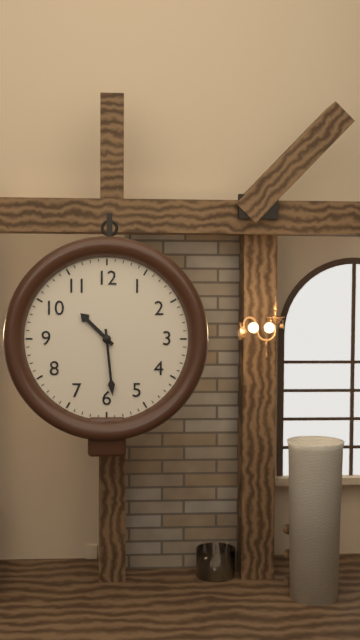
10:29
